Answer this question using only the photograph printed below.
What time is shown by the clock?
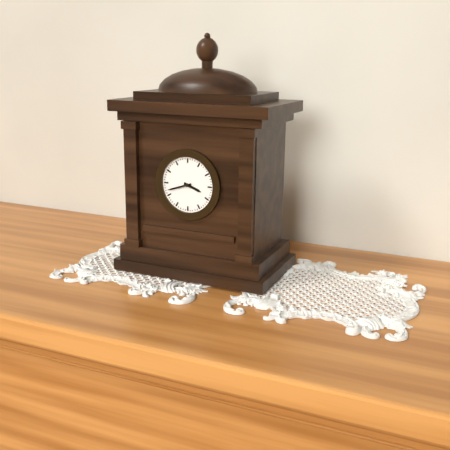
3:42
